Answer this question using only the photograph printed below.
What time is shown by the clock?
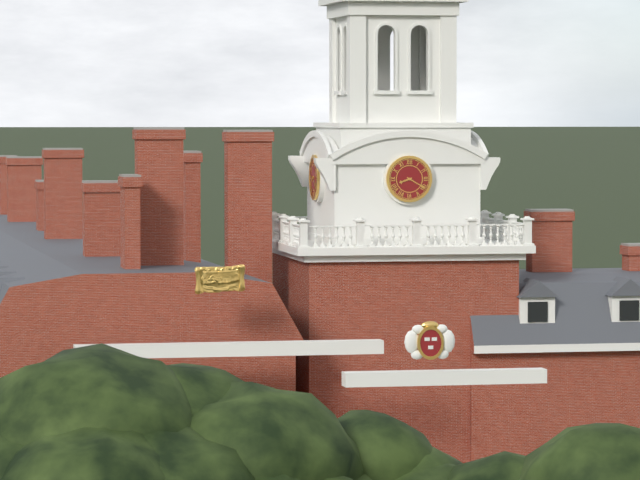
8:20
